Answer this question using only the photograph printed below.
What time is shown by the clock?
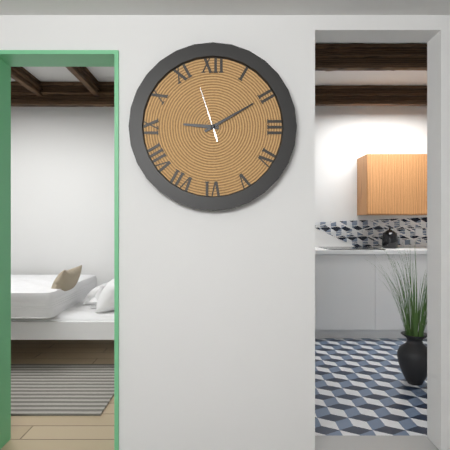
9:10:57
